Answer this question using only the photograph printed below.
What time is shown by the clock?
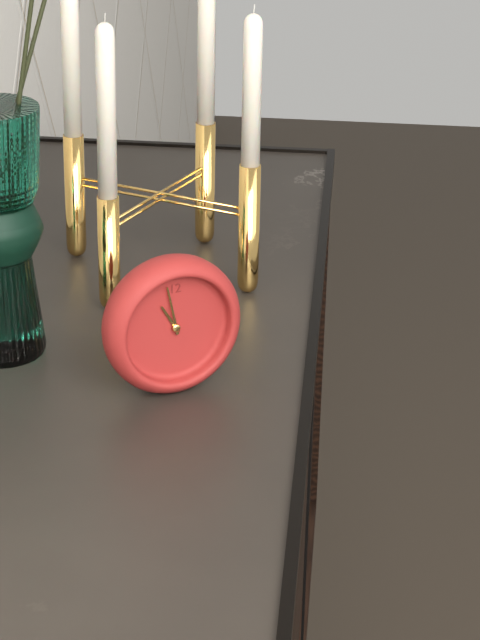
10:58
